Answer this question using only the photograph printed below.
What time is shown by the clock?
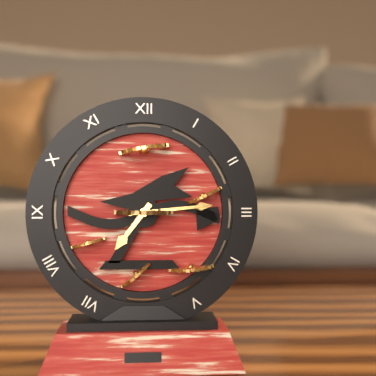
7:14
